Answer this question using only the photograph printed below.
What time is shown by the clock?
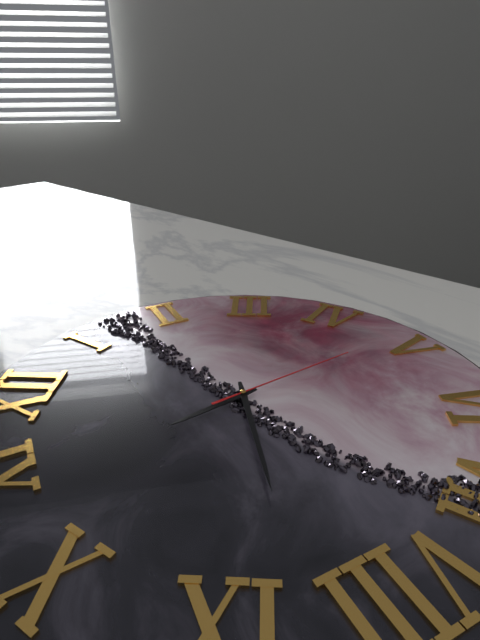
10:43:24
